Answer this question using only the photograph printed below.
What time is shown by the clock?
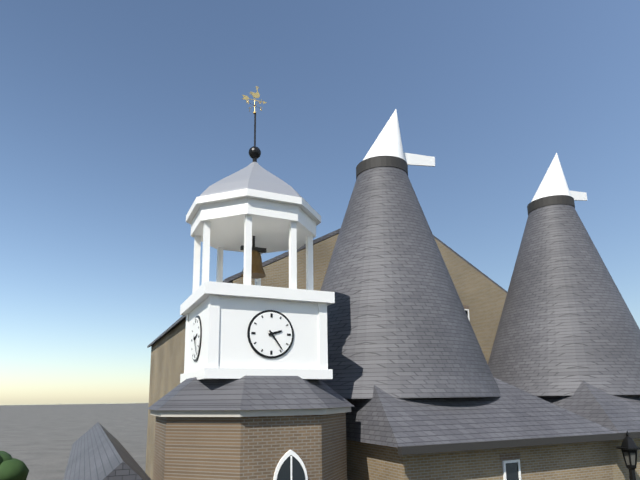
2:24
